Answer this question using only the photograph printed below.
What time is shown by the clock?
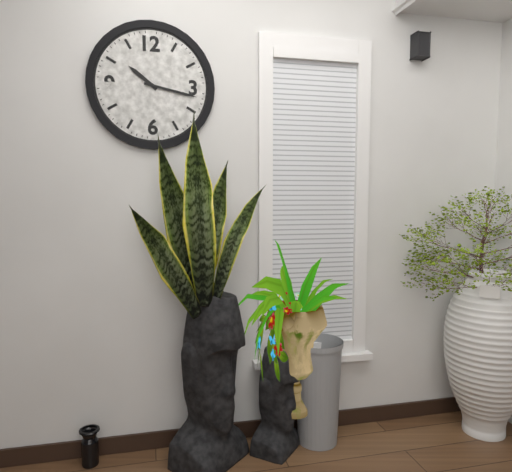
10:17
